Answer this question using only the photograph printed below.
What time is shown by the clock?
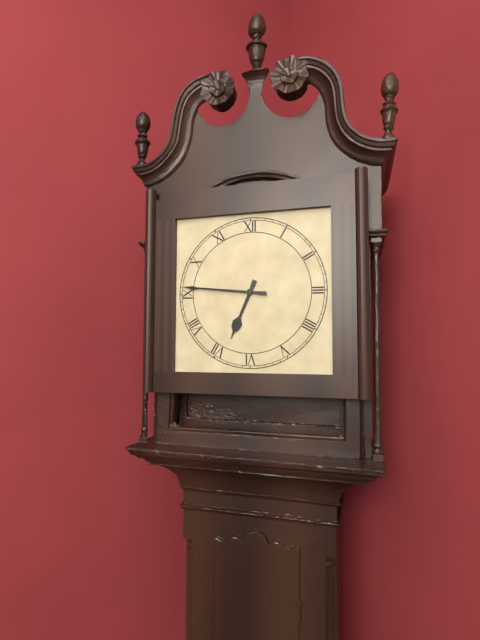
6:46
